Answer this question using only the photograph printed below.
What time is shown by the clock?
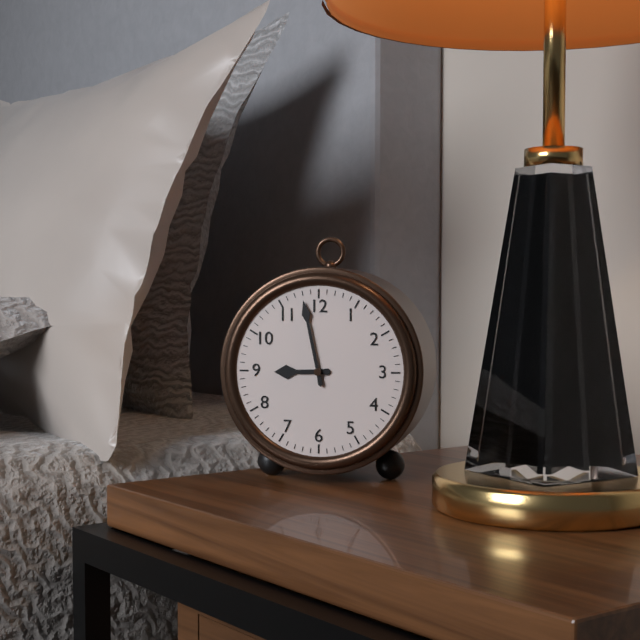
8:58
